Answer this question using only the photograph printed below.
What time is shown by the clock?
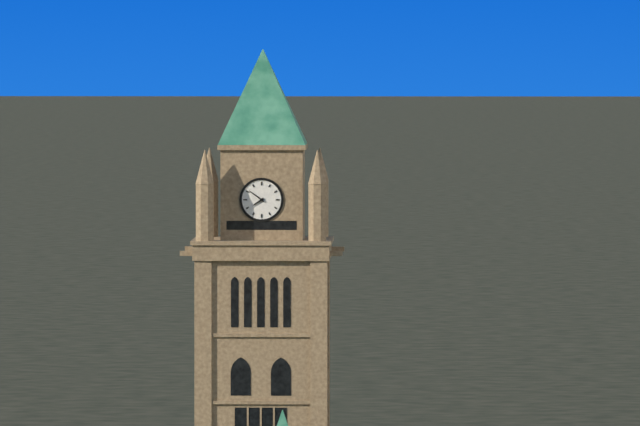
7:51
